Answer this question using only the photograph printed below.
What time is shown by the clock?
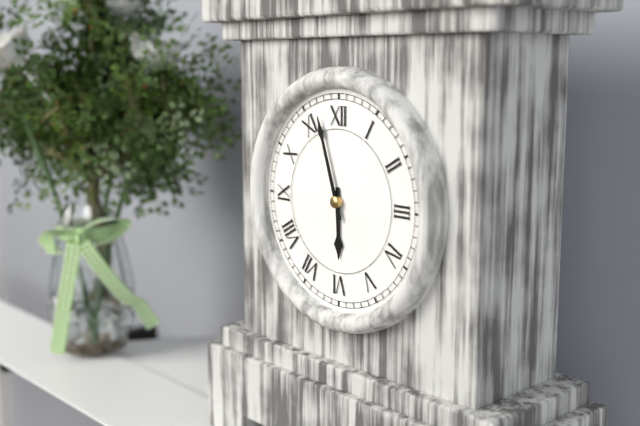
5:57
